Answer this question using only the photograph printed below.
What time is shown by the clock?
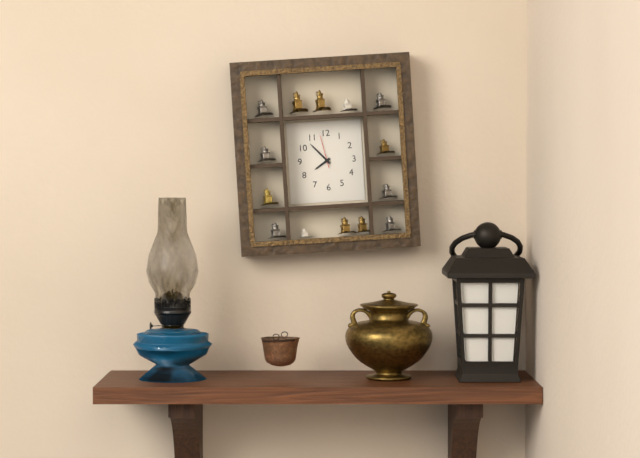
7:53
